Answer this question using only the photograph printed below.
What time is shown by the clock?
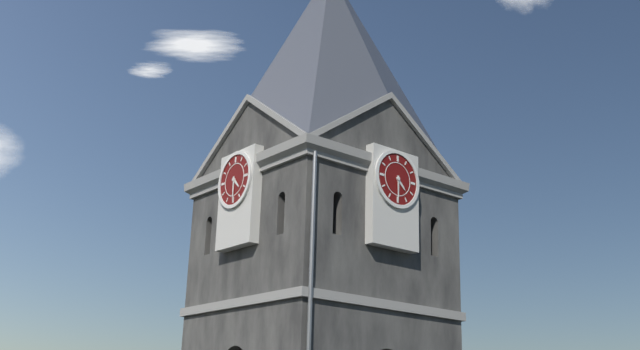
4:30
